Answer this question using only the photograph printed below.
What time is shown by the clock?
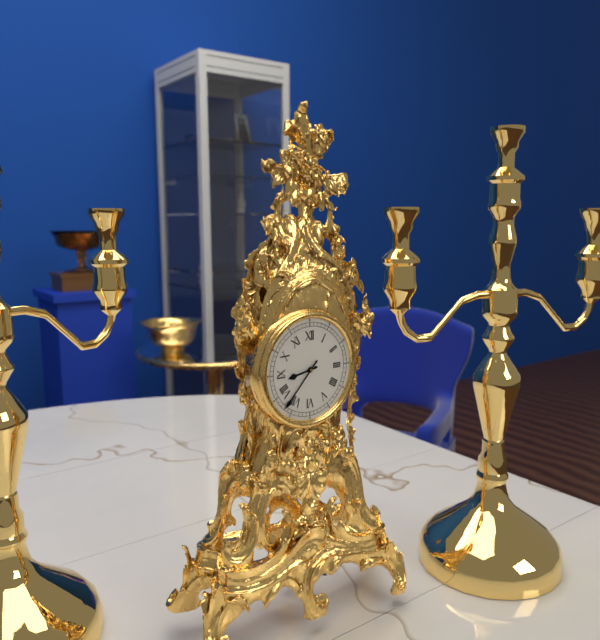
8:37
